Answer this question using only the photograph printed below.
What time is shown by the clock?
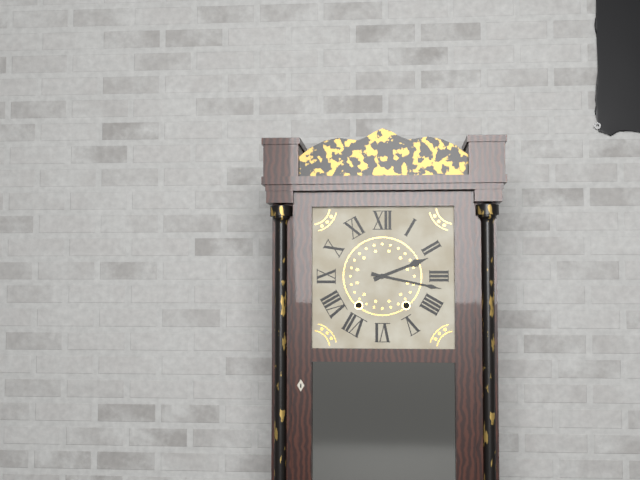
2:17
